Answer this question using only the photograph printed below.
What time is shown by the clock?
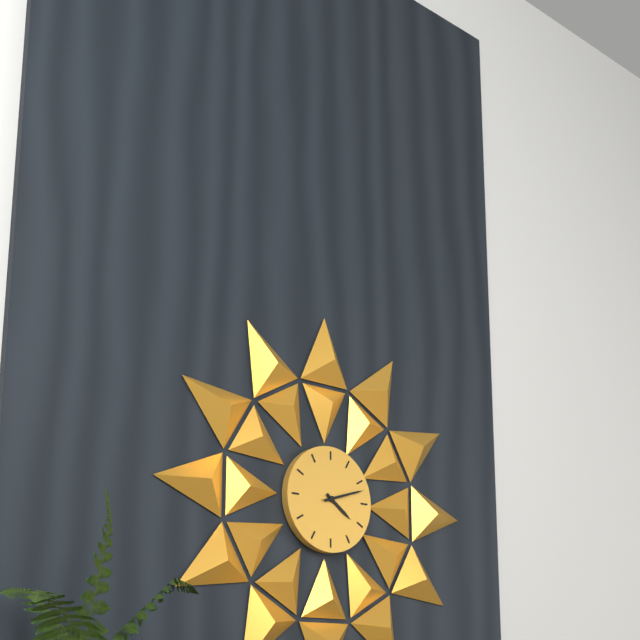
4:12
